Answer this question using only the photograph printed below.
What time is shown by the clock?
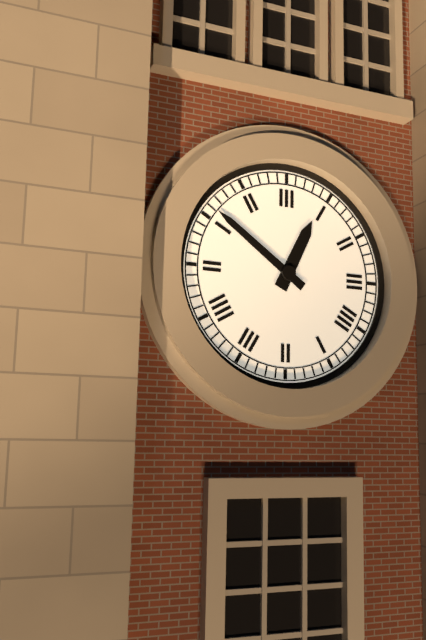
12:51
